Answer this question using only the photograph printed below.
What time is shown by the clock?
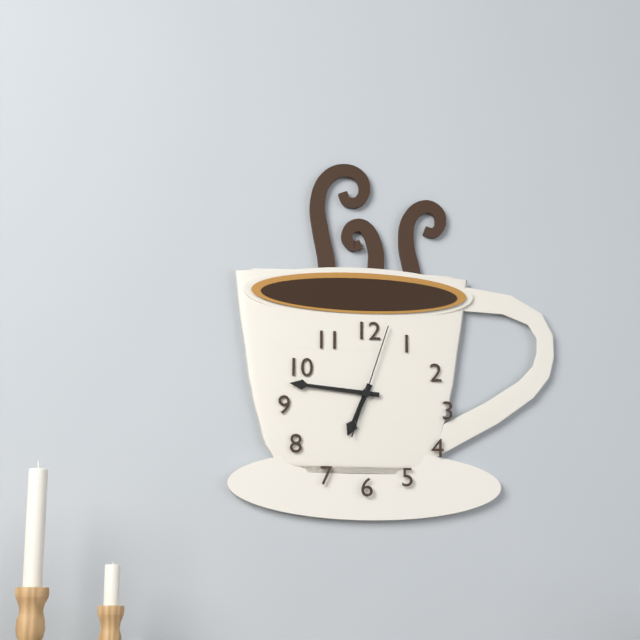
6:46:03
